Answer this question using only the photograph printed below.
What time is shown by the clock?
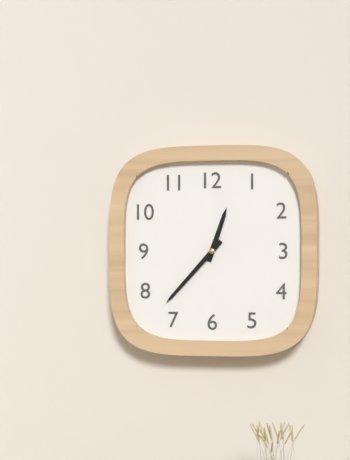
12:37
